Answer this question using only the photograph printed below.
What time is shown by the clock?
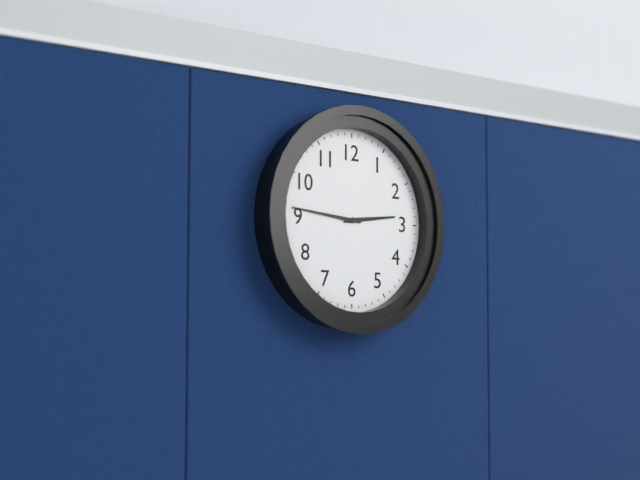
2:46
